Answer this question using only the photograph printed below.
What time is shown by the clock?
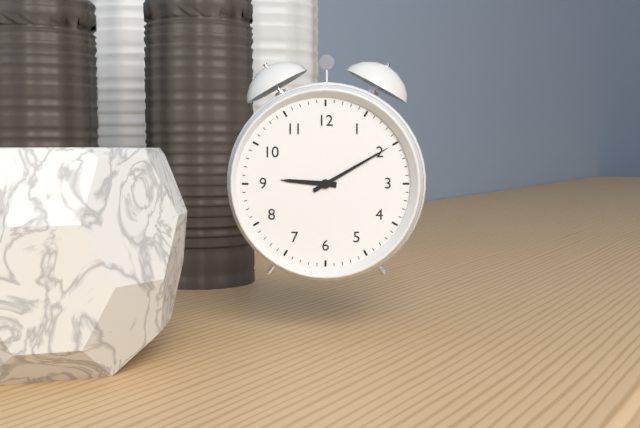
9:10
